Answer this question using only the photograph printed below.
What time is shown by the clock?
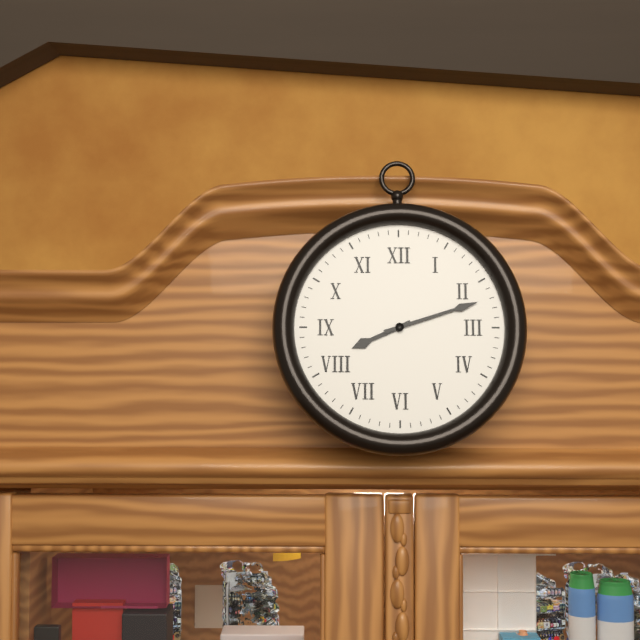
8:12
